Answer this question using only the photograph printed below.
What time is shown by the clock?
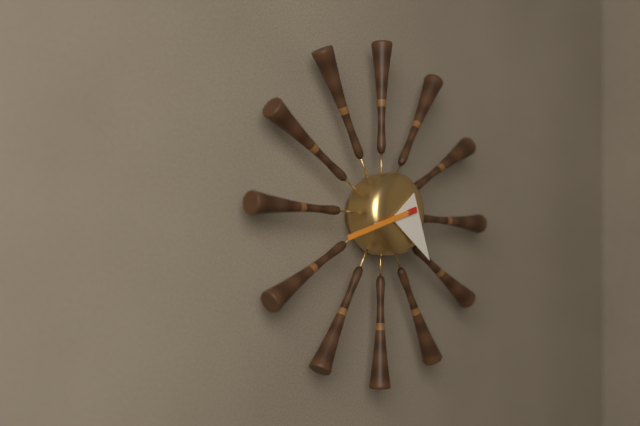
4:42
